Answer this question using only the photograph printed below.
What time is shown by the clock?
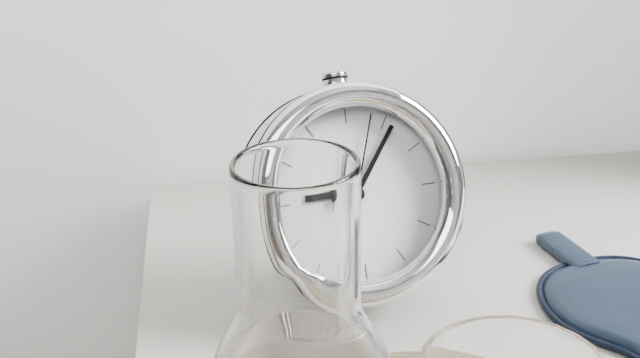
9:06:03
